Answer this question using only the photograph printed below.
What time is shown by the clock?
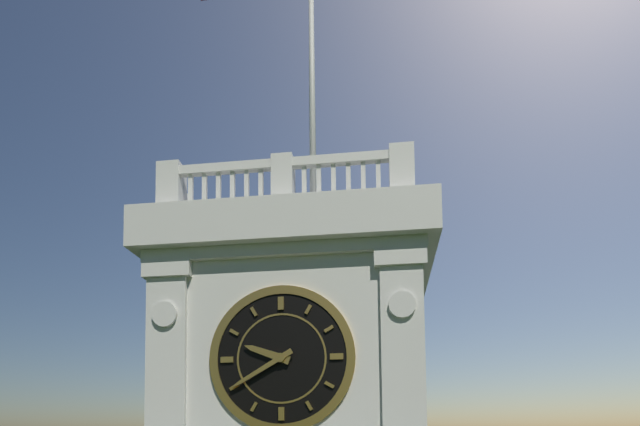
9:40
